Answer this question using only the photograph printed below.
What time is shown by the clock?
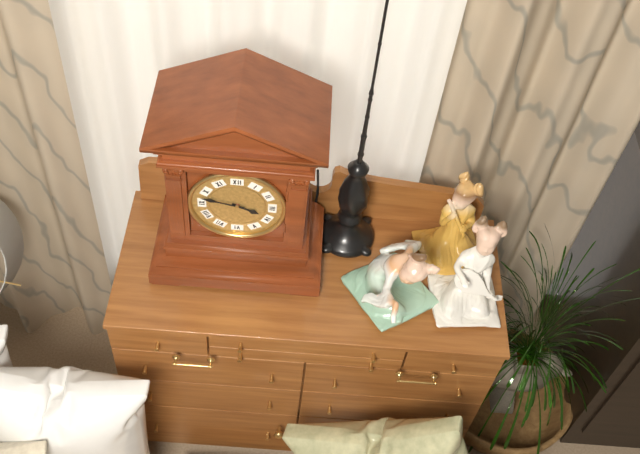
3:47
